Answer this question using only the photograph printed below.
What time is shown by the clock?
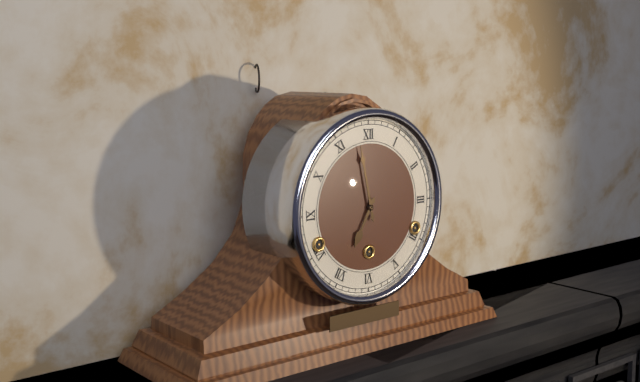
6:58
